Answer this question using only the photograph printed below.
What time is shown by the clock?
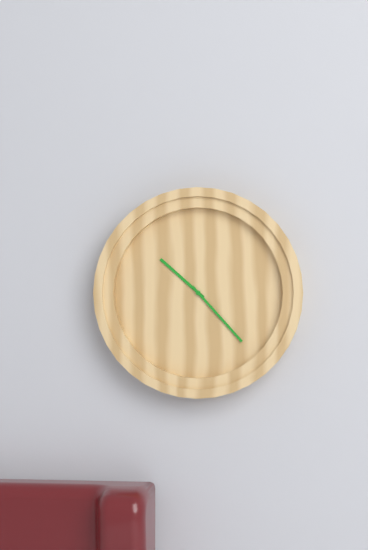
10:23
